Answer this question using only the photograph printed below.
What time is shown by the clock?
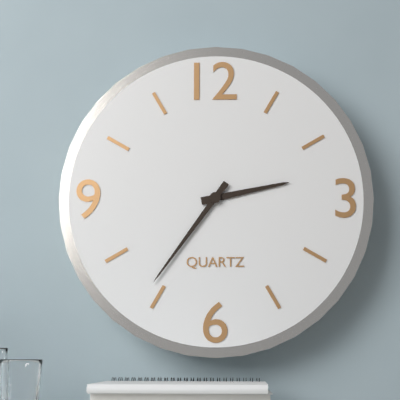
2:36
